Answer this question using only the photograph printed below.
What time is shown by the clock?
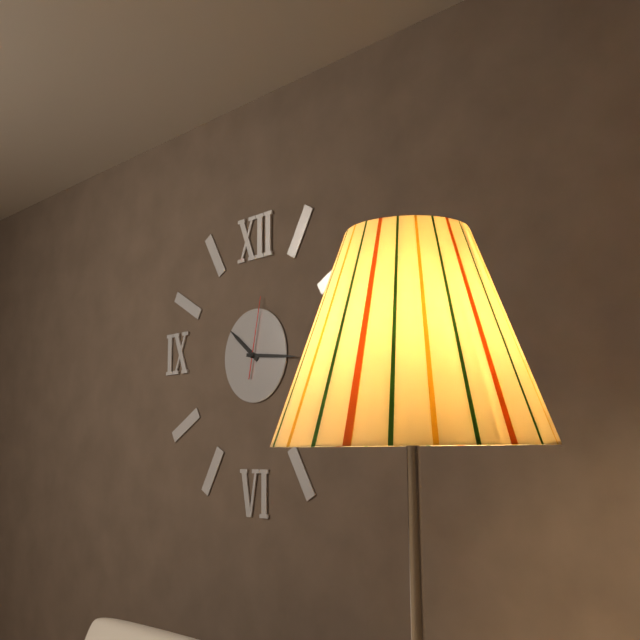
10:16:02
